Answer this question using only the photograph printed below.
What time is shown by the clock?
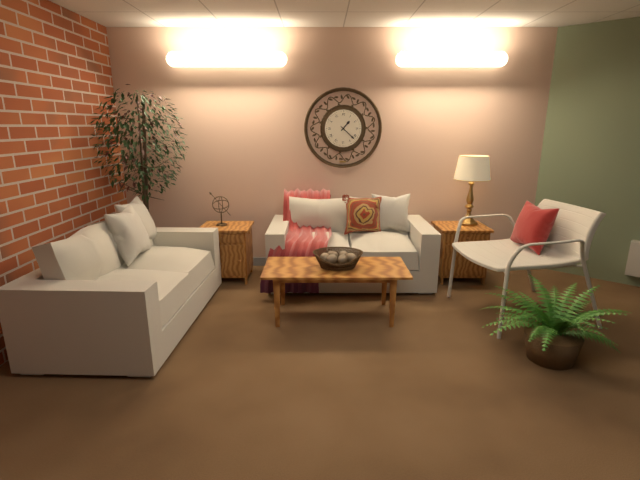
1:22
